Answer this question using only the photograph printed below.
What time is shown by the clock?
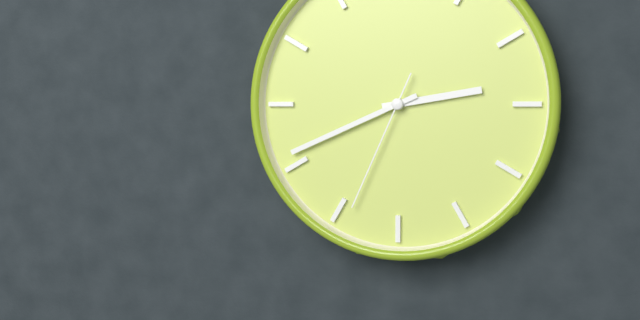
2:41:34
